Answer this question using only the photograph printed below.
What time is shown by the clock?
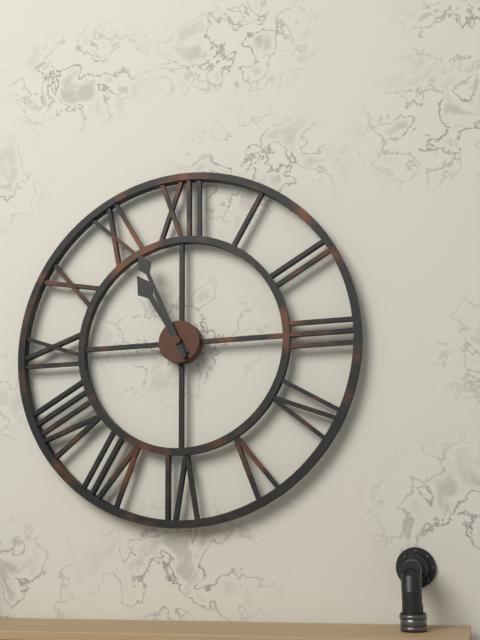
10:56
